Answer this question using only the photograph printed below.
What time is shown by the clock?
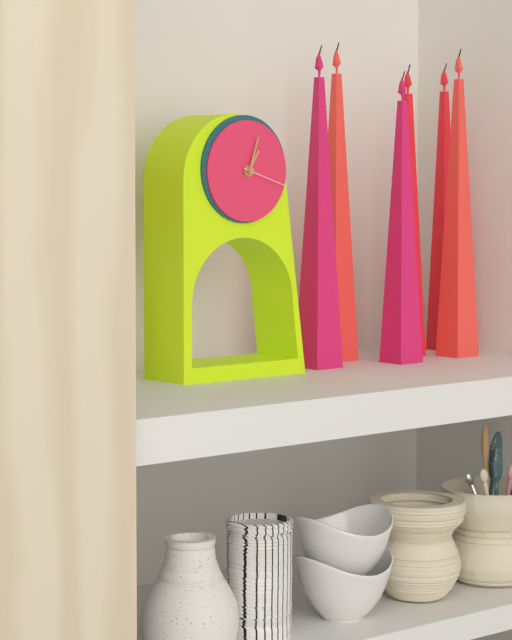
1:03
